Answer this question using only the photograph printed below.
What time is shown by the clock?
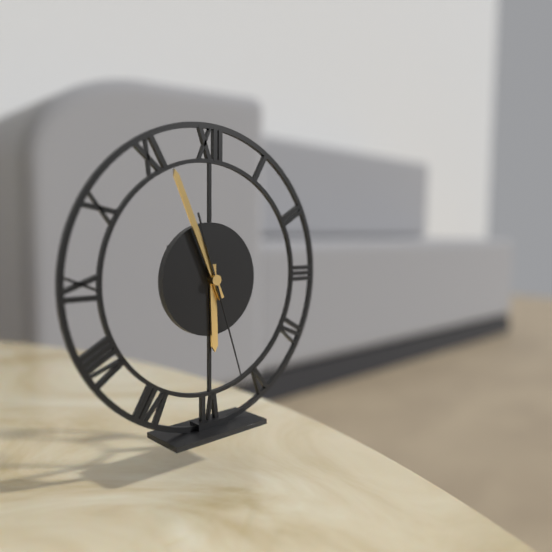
5:56:27
